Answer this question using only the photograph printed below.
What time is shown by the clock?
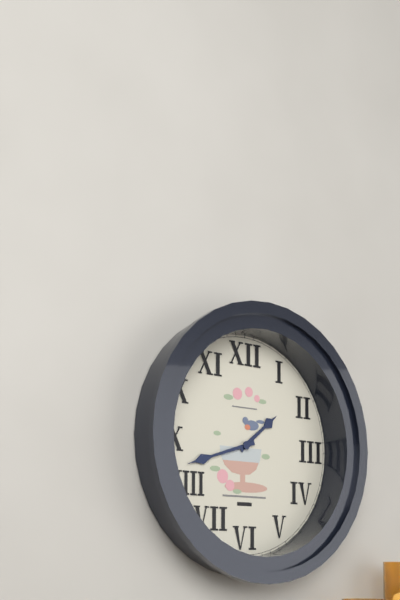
1:42
